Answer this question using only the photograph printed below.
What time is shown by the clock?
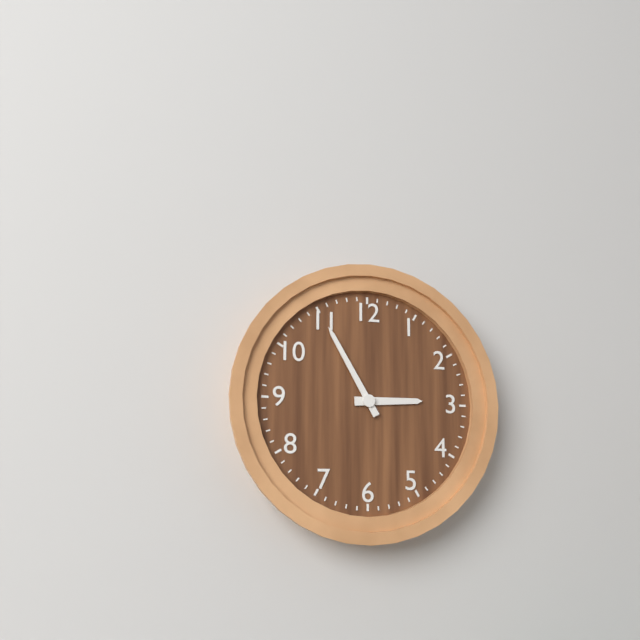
2:55
